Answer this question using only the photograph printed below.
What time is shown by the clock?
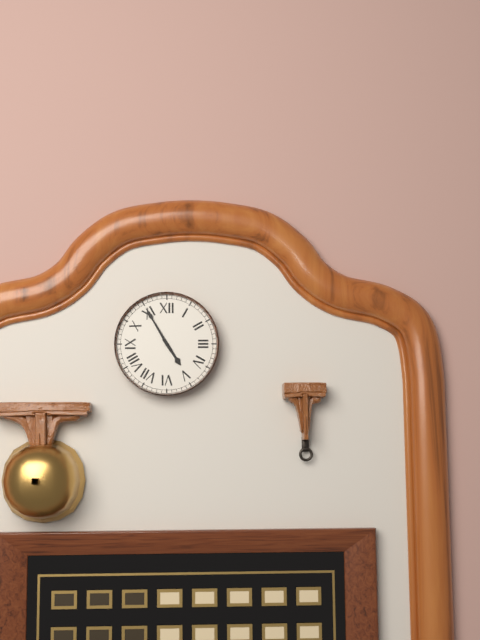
4:55
